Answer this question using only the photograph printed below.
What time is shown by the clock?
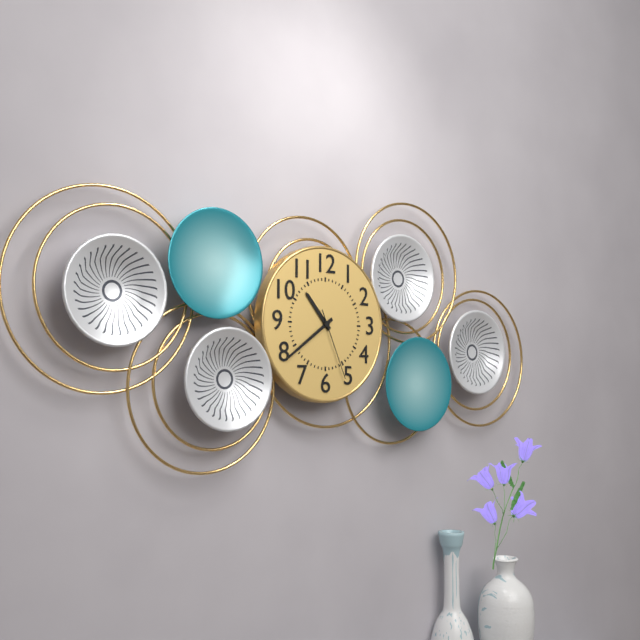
10:39:26
